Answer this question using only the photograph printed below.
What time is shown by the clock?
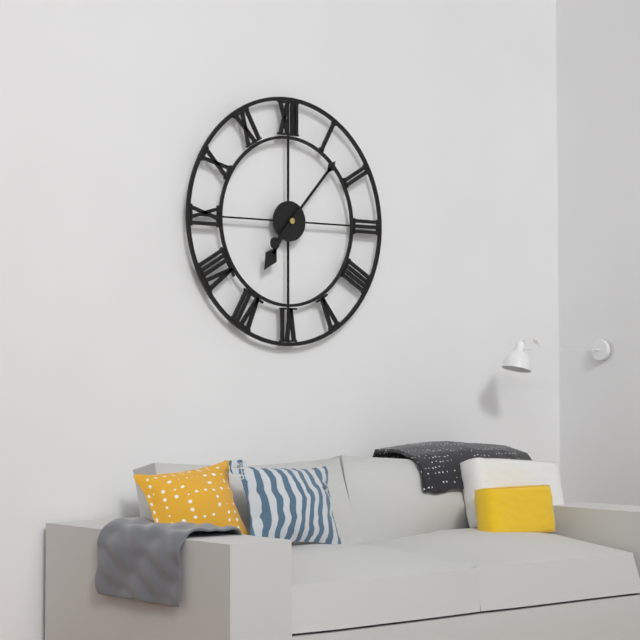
7:07
